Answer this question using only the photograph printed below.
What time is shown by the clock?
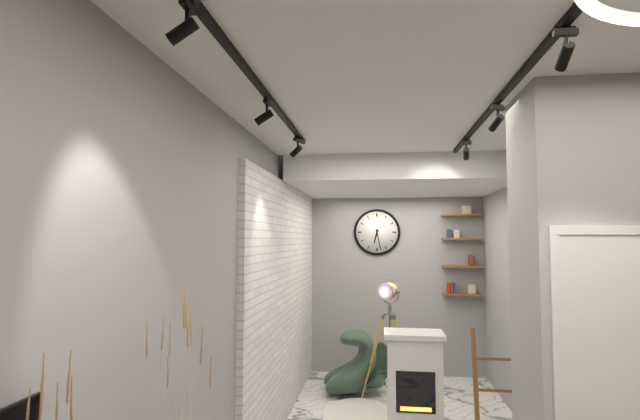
6:28
